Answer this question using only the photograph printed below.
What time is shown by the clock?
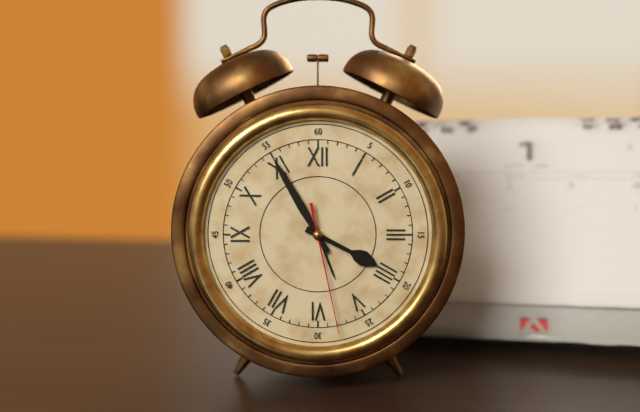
3:55:28
